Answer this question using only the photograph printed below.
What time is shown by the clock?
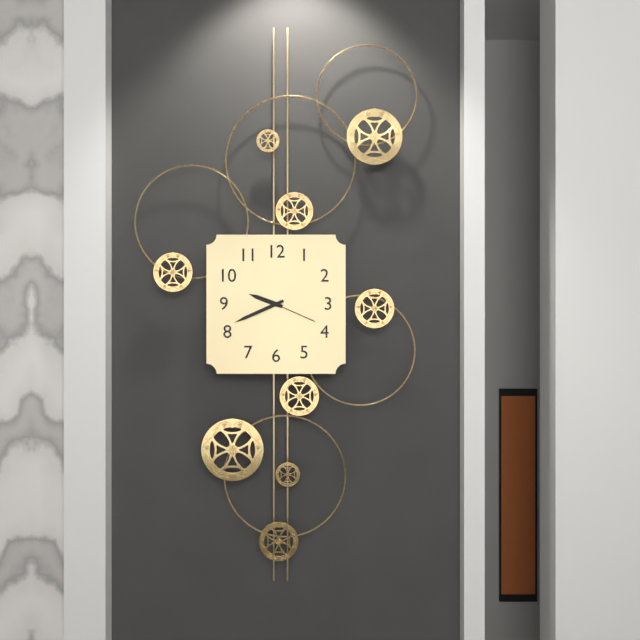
9:41:19
